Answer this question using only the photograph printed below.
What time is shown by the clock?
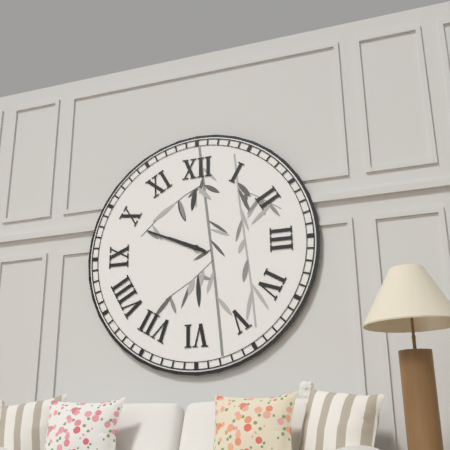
9:49
